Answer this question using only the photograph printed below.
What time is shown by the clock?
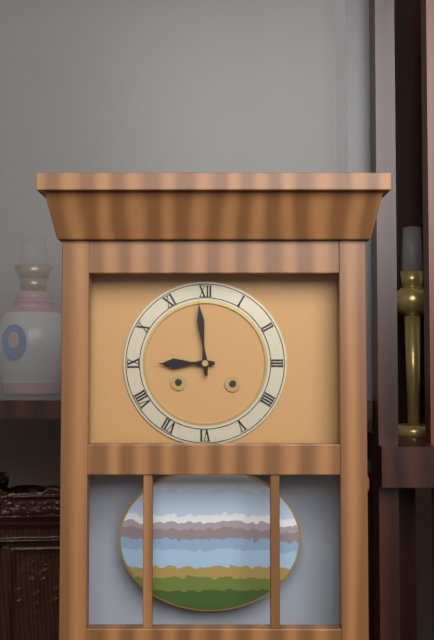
8:59
